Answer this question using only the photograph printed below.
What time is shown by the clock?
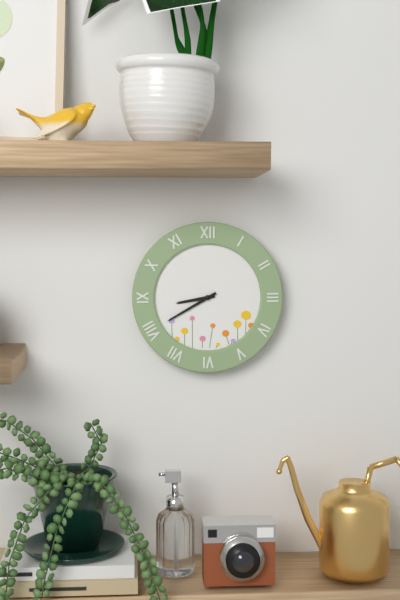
8:40
